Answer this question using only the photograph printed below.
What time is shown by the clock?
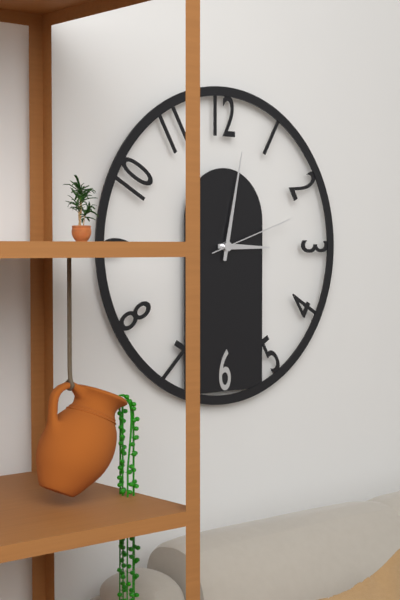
3:02:12
